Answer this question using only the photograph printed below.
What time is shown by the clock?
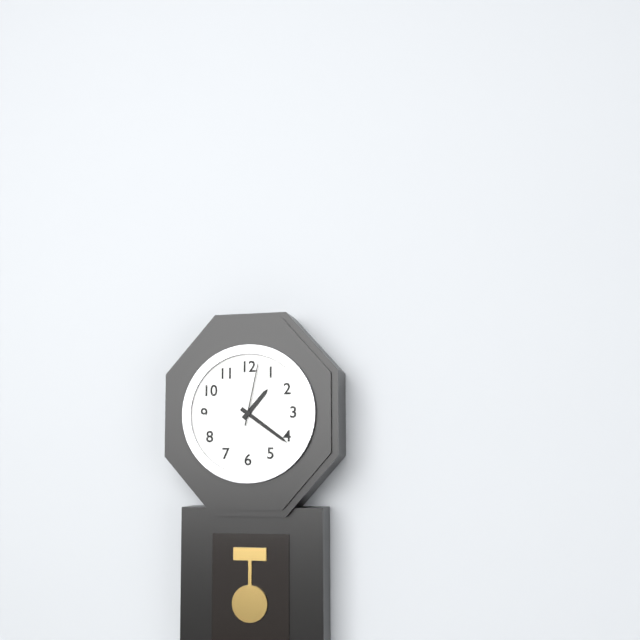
1:21:02
